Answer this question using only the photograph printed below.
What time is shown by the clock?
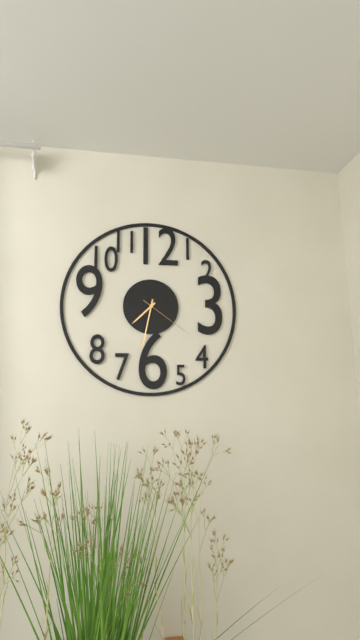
7:32:21
